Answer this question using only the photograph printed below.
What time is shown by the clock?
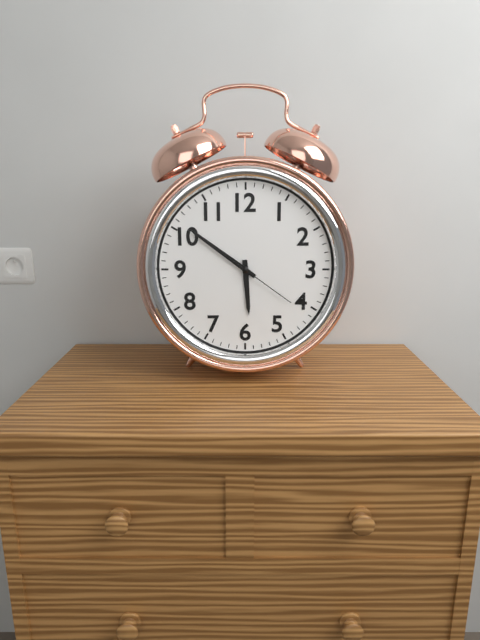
5:51:21
